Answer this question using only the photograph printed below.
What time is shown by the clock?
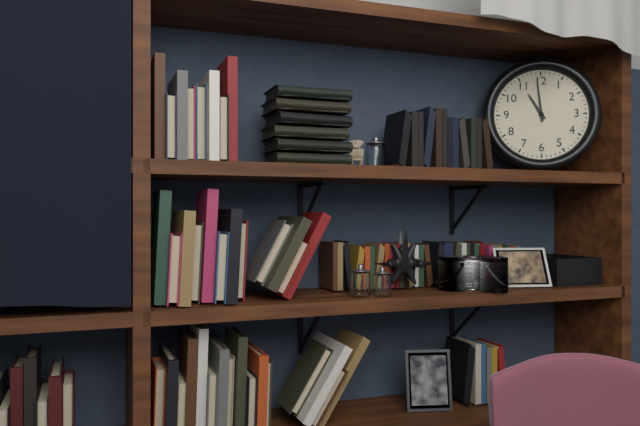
10:59
